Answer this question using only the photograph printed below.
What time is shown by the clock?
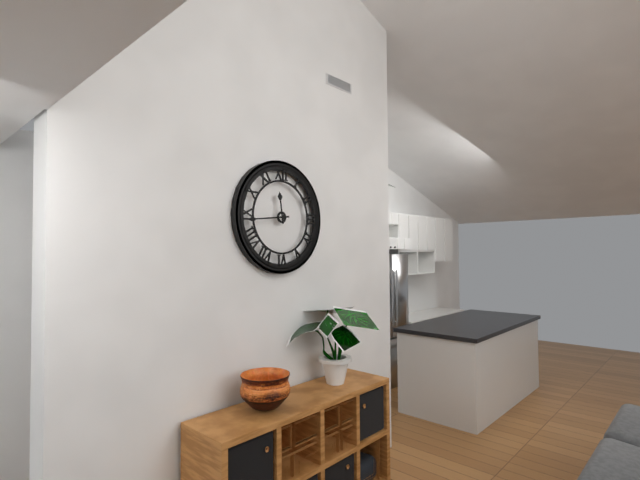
11:44
